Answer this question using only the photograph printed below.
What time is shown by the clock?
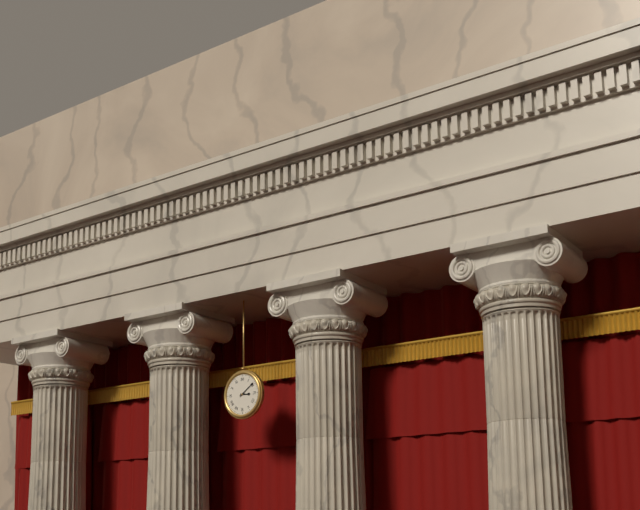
3:09
